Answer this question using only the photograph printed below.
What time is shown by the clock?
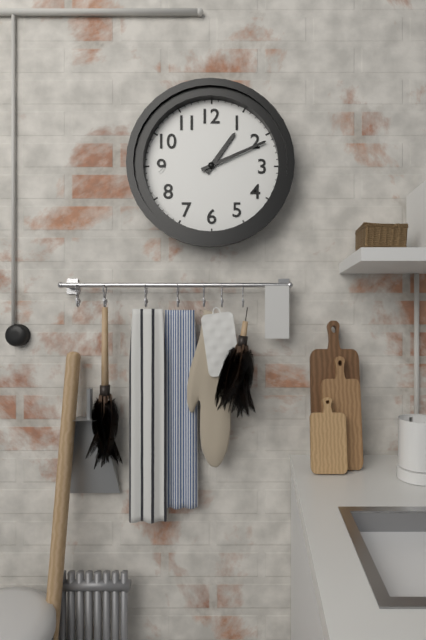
1:11
